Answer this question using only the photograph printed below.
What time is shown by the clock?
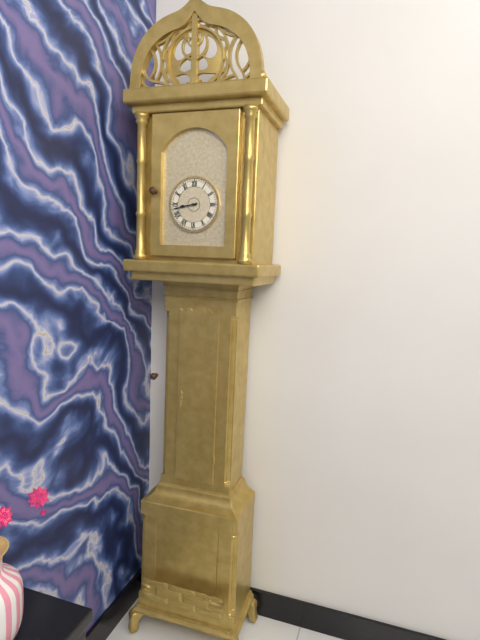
8:43
